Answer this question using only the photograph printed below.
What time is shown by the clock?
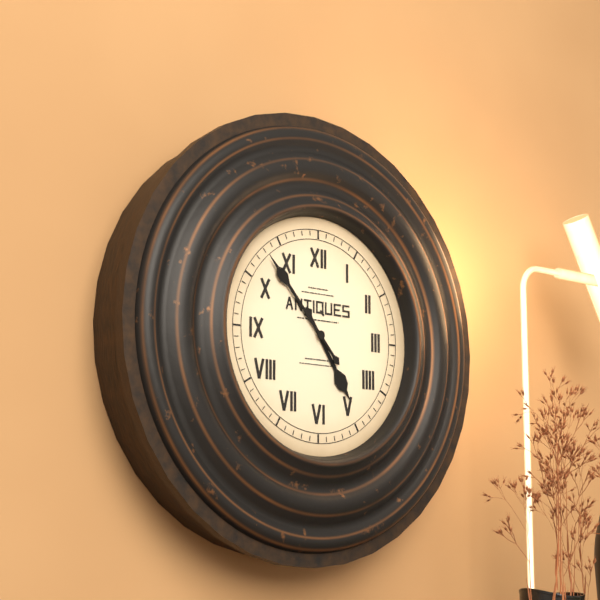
4:53
